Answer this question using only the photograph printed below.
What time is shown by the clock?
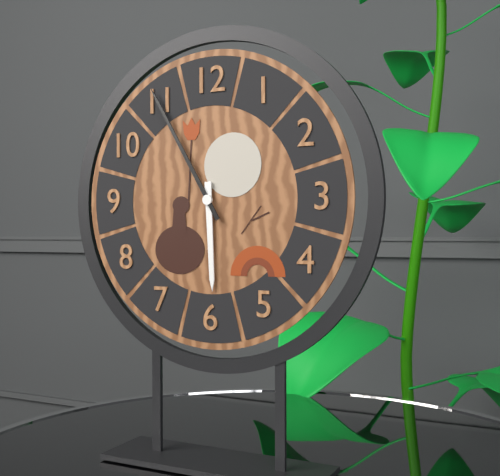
5:55
